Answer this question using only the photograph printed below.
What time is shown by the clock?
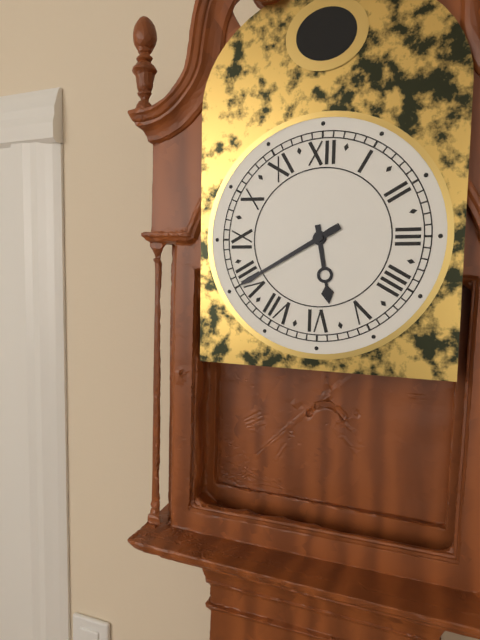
5:40
